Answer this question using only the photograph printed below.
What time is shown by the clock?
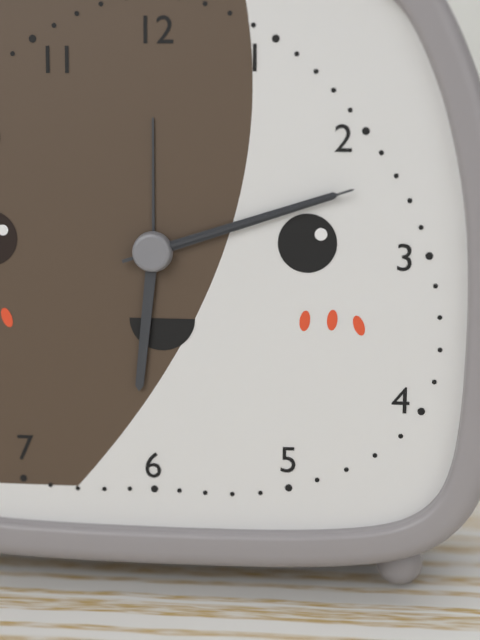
6:12:12
